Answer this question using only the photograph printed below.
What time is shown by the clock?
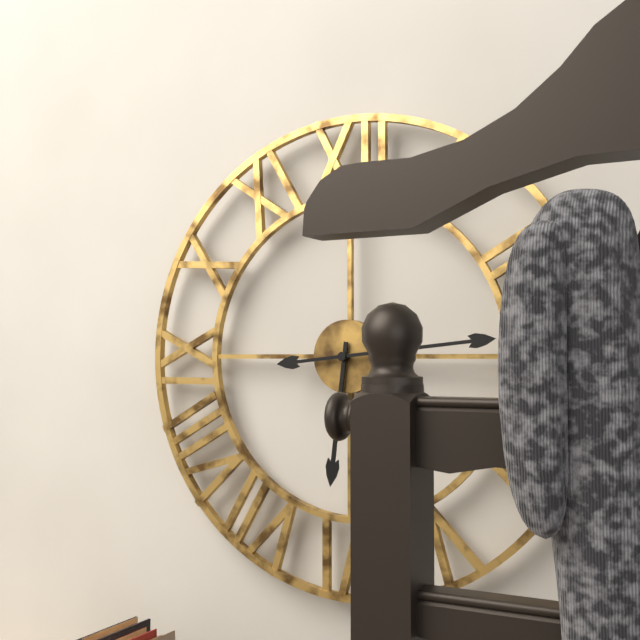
6:14
